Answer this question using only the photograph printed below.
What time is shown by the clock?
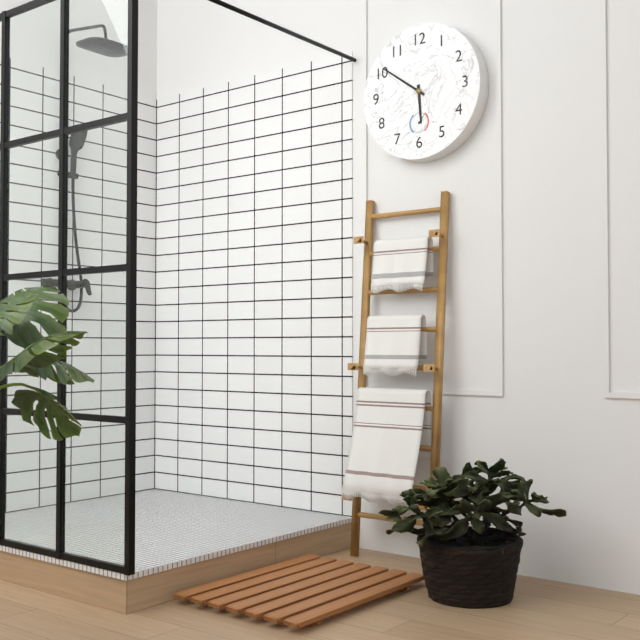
5:51
